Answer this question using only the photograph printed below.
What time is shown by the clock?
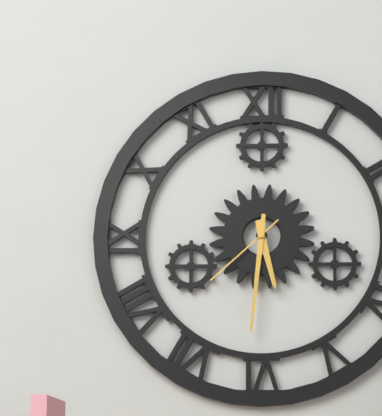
5:31:38
